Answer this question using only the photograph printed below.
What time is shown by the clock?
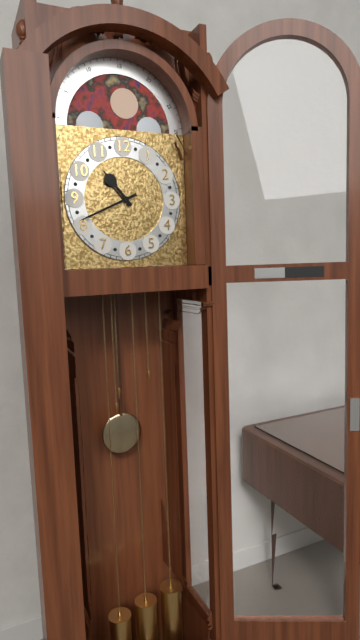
10:41
